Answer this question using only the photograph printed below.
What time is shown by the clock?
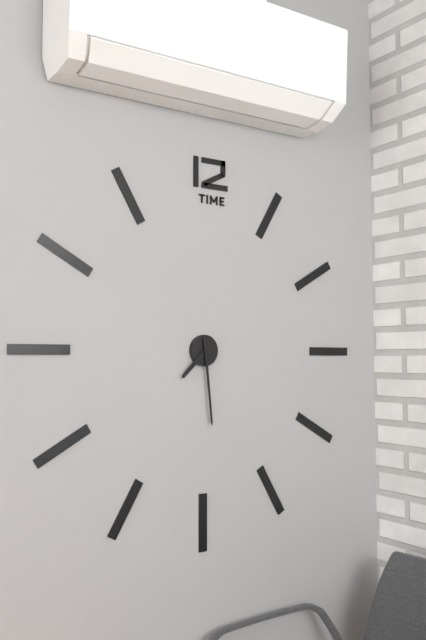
7:29
